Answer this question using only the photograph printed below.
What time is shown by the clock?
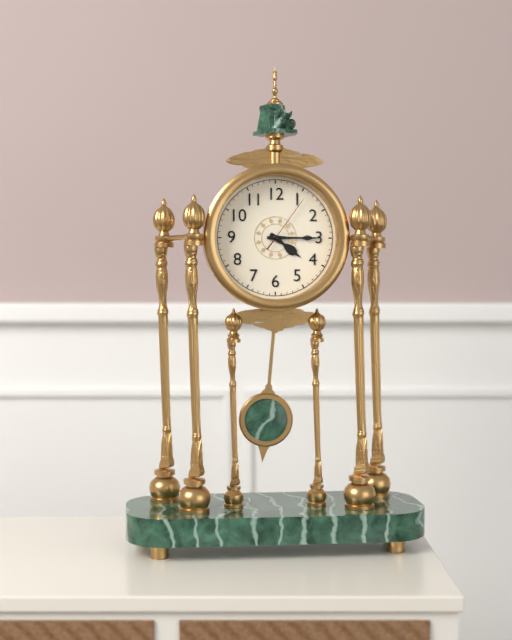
4:15:06
